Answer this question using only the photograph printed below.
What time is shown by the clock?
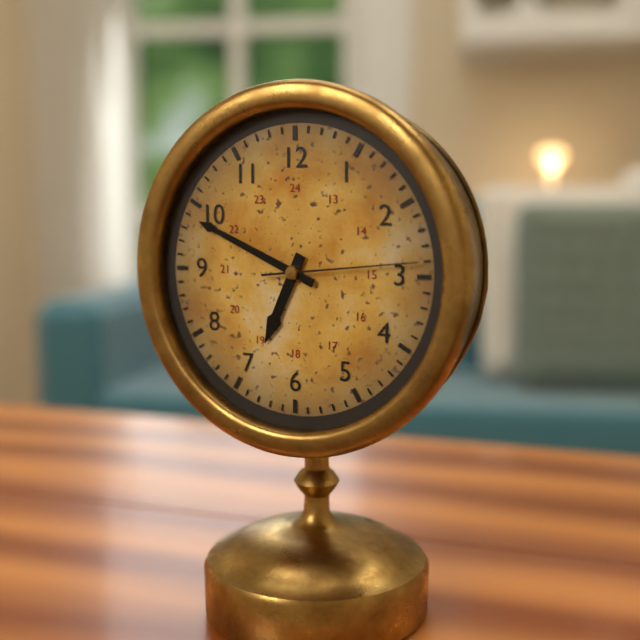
6:49:14
